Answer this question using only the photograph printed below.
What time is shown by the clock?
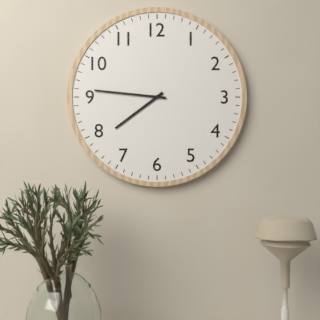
7:46
